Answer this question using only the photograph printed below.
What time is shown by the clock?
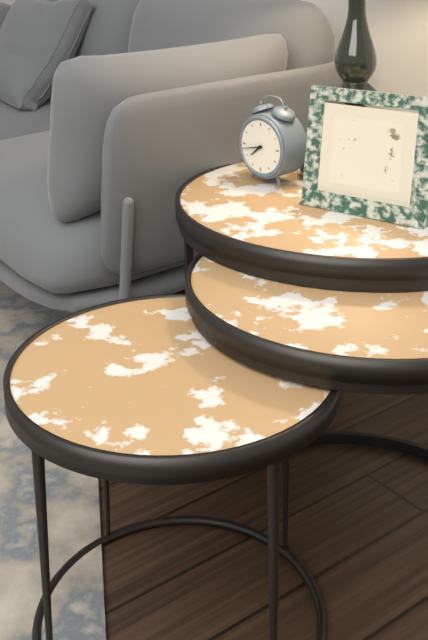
7:43
